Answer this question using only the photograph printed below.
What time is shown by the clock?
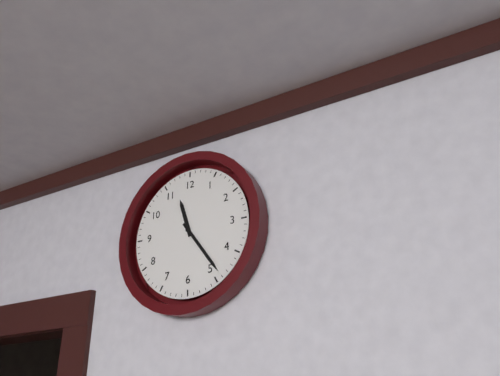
11:24
